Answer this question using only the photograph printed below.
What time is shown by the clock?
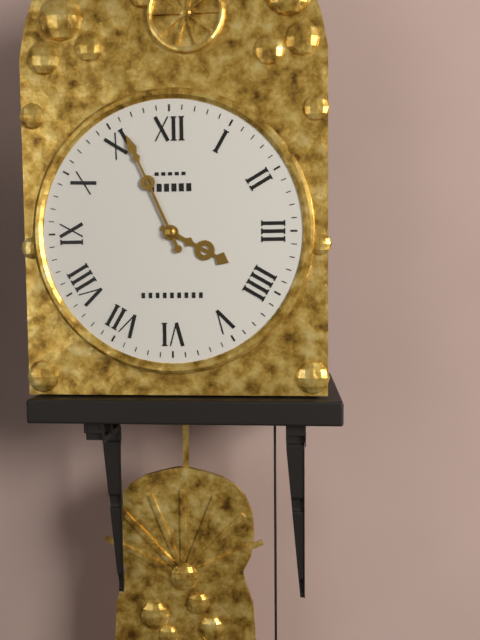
3:56
